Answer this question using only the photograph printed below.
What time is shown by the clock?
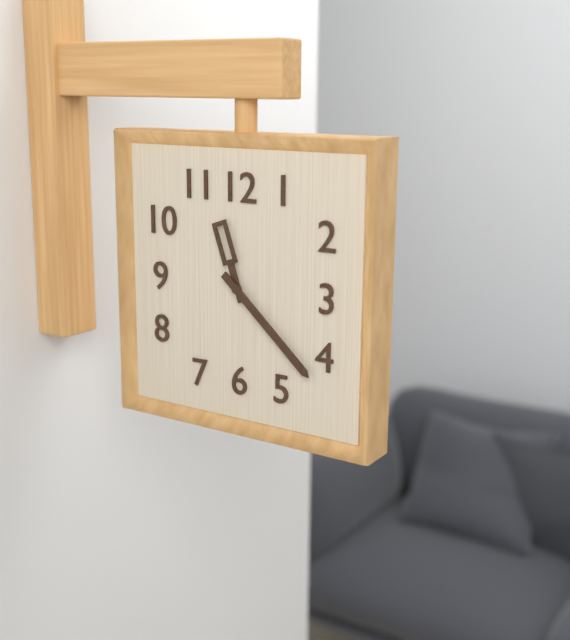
11:22
